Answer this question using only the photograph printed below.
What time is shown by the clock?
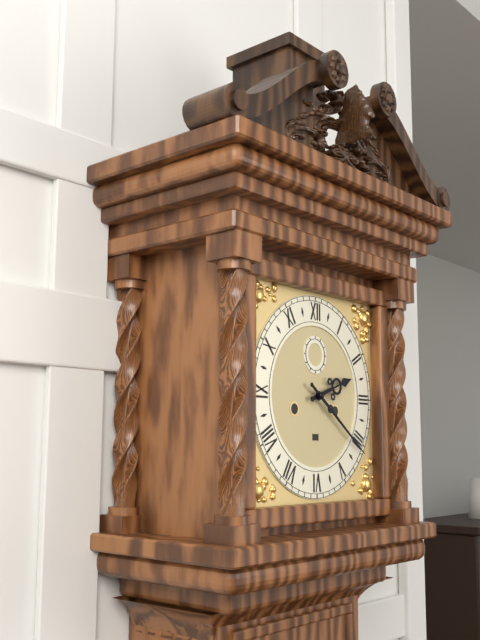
2:21
